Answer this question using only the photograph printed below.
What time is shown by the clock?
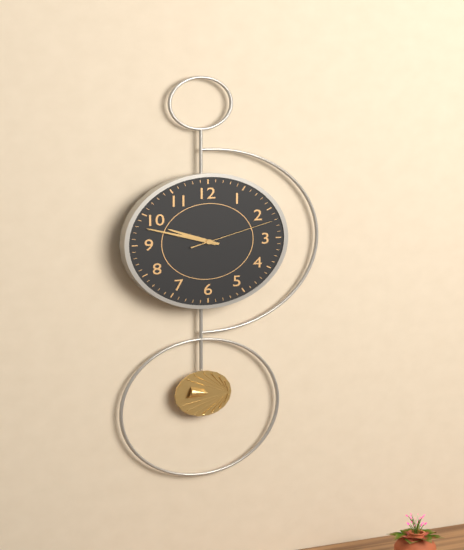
9:48:12
